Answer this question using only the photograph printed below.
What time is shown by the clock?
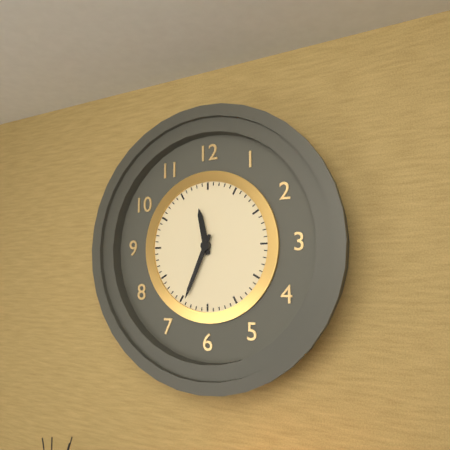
11:34
